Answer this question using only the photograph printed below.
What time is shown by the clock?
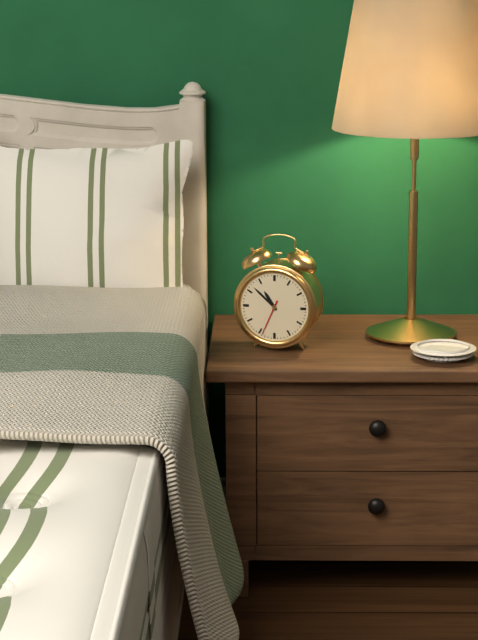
10:52
